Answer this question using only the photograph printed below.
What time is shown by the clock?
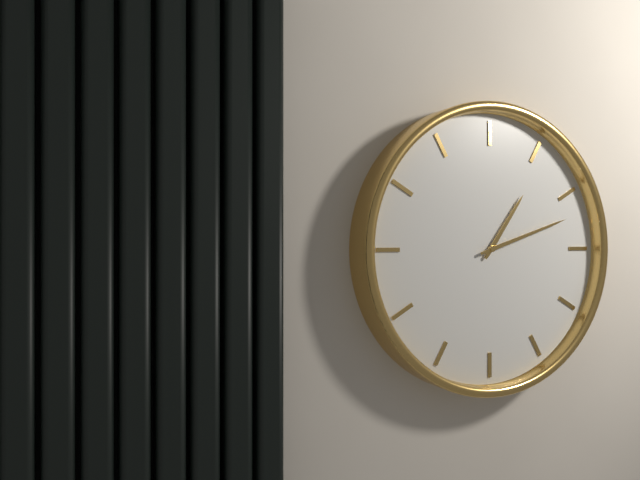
1:12
